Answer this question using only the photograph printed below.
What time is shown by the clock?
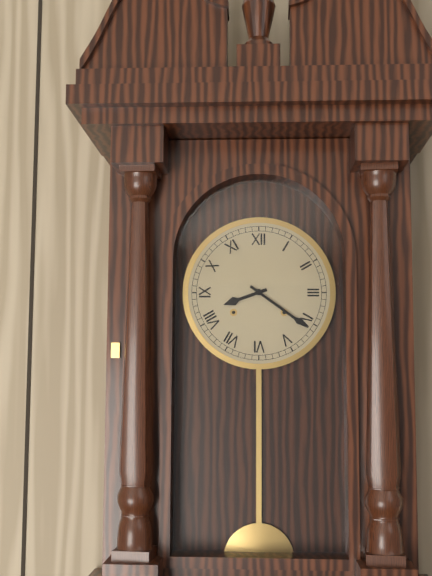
8:21
